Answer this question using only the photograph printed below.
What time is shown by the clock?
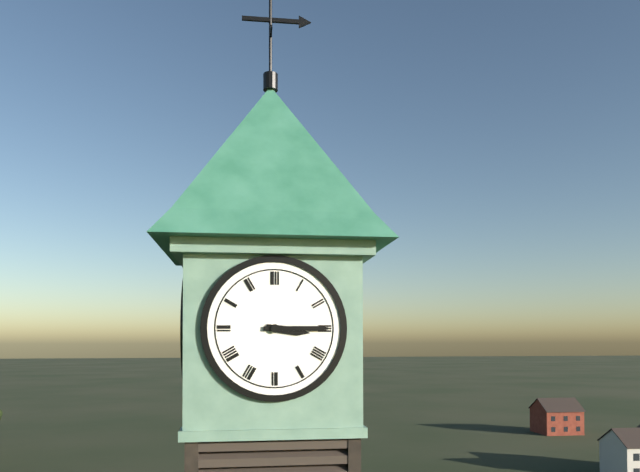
3:15
